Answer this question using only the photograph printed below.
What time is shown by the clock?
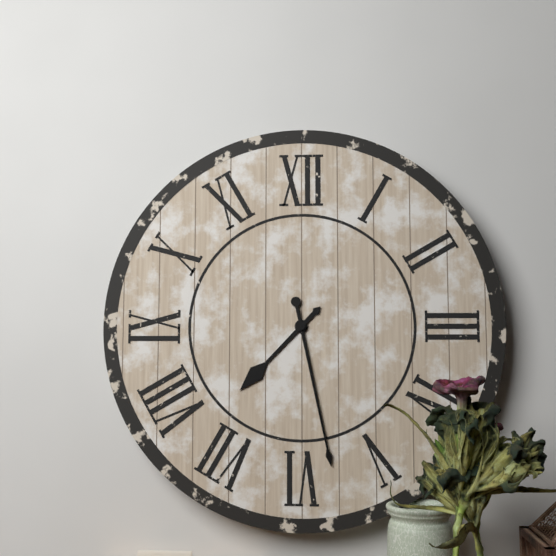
7:28
